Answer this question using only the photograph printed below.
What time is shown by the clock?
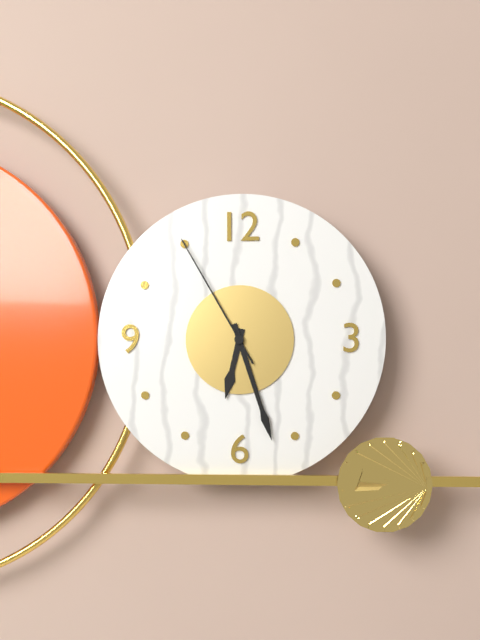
6:27:55
